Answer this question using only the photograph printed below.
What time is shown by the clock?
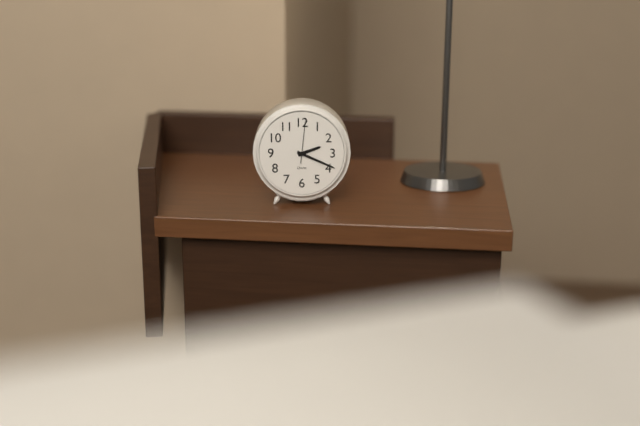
2:19
